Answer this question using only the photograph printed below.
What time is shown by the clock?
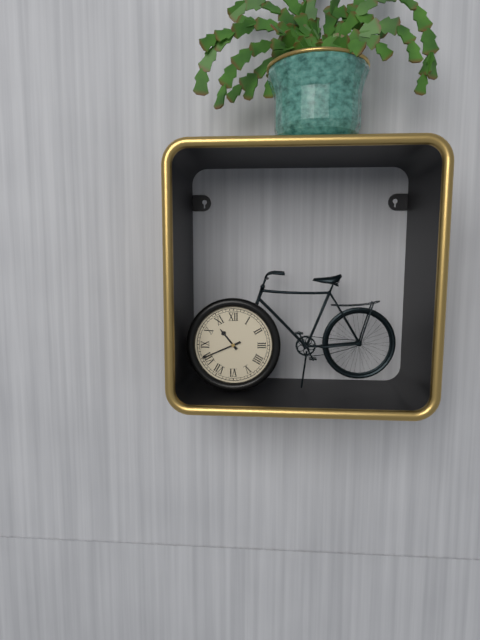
10:41
